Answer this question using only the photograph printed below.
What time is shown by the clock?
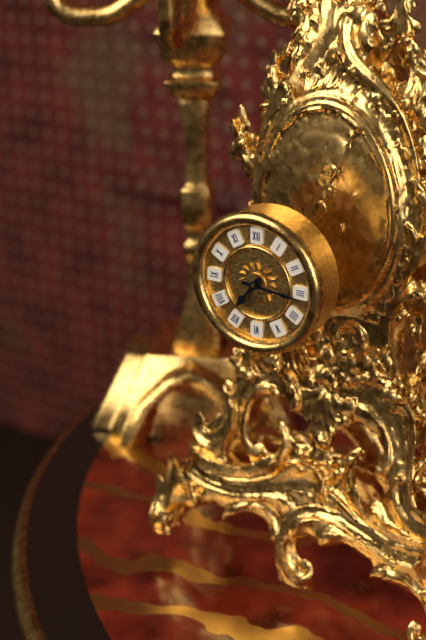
7:16
